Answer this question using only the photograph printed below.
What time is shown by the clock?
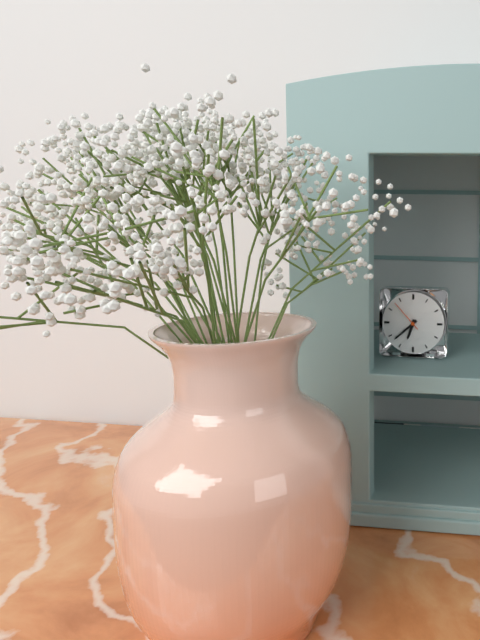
6:38
